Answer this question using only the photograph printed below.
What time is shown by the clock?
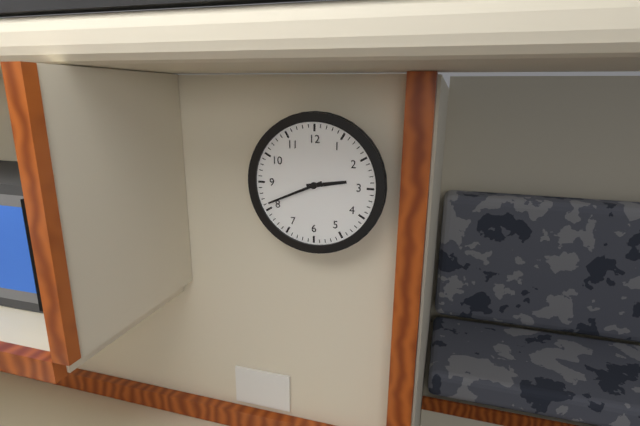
2:41
